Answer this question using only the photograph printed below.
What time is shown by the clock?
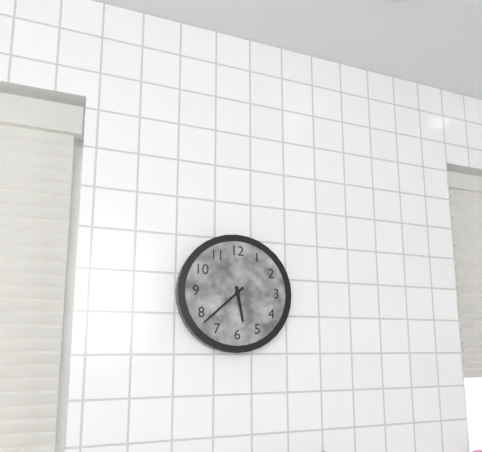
5:38
